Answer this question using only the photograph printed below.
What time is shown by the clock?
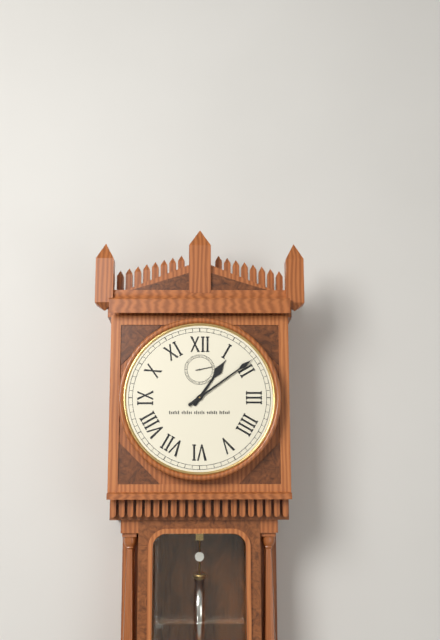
1:09
